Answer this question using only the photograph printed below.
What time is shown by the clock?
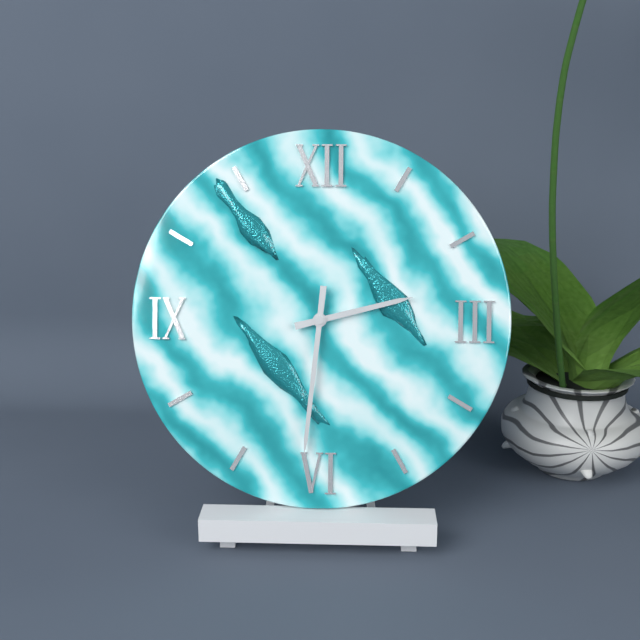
2:31
